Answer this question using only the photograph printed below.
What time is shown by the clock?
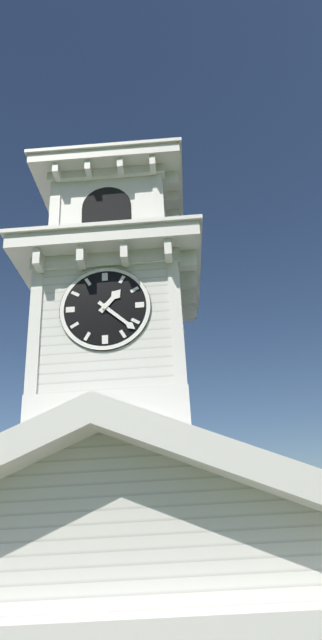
1:22
